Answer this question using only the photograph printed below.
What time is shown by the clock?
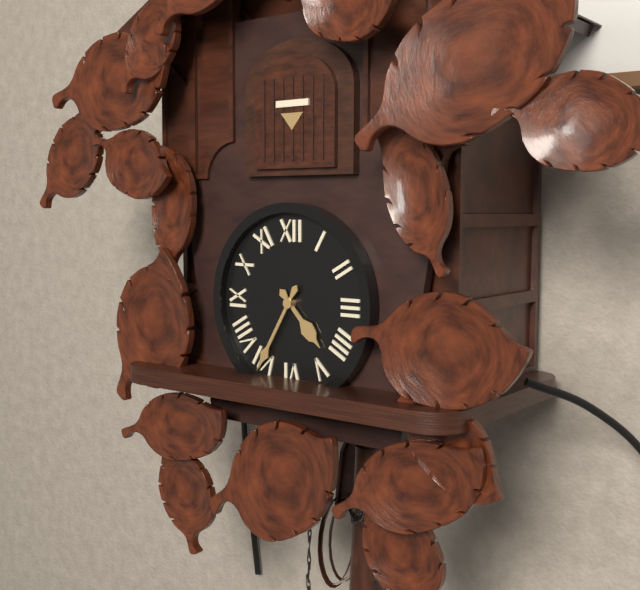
4:35
